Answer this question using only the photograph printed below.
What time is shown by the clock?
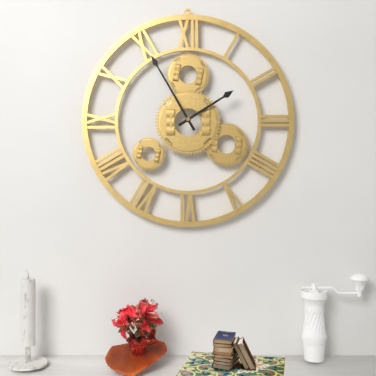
1:55
